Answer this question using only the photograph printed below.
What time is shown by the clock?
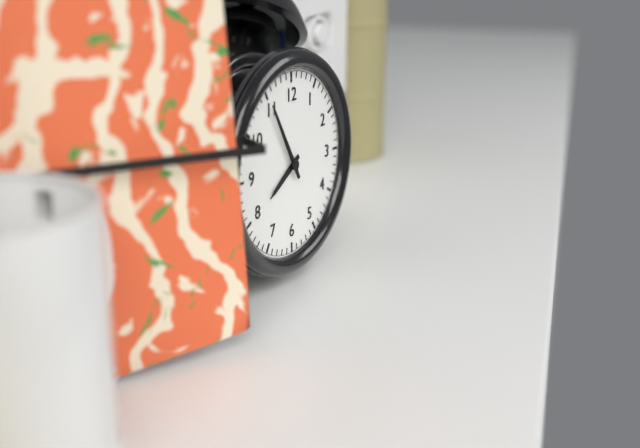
7:55
